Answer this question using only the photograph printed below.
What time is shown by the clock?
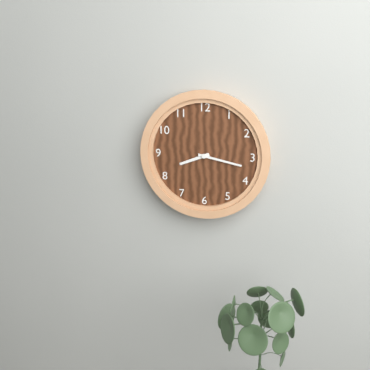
8:17
